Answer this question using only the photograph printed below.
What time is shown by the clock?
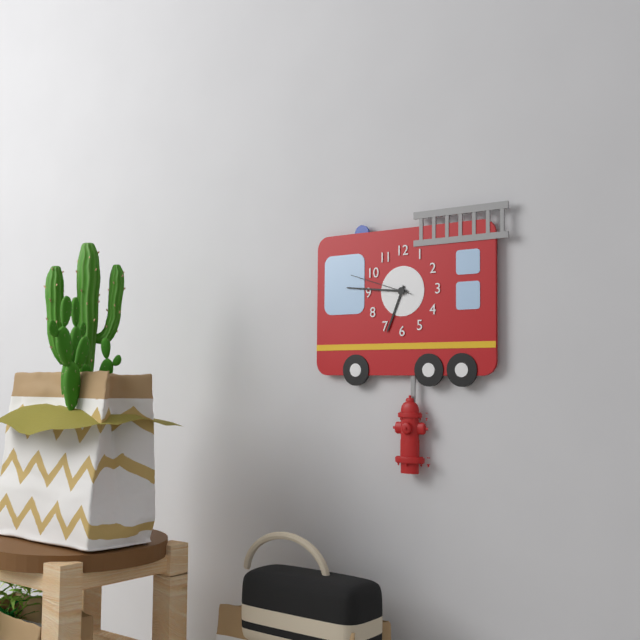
6:46:48
